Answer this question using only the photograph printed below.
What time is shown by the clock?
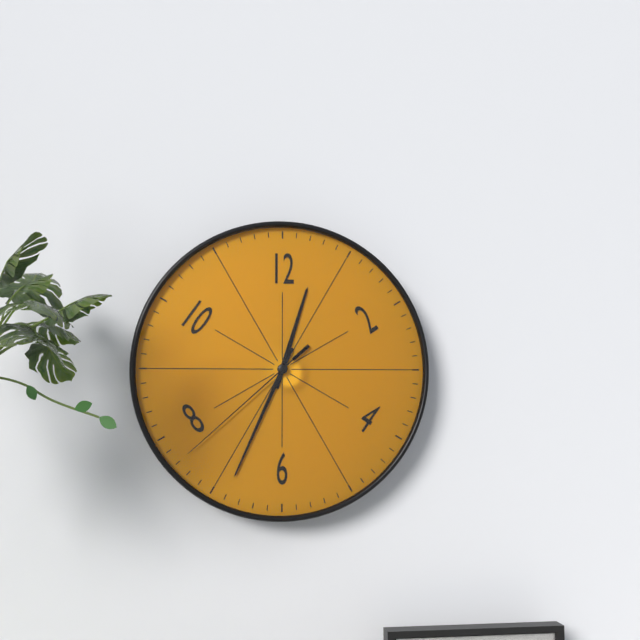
12:34:38
